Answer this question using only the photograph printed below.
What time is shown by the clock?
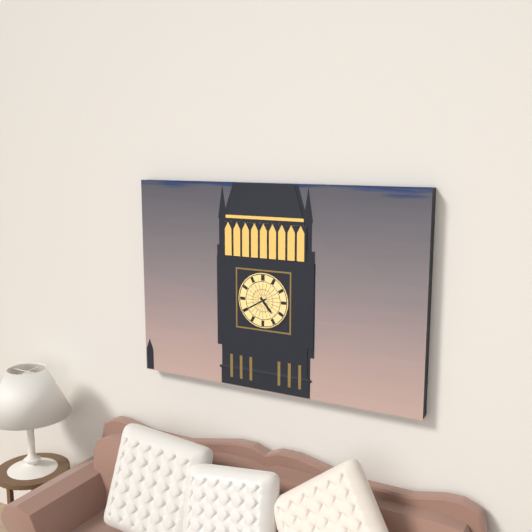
4:40
